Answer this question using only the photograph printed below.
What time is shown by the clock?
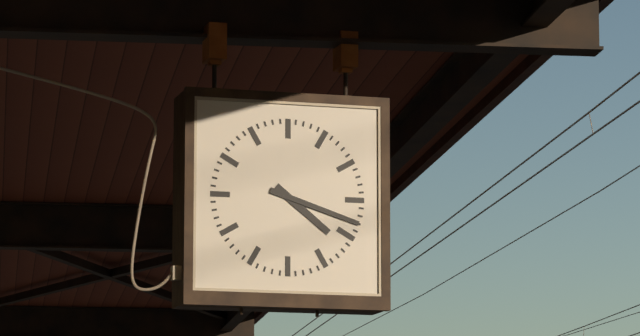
4:18
